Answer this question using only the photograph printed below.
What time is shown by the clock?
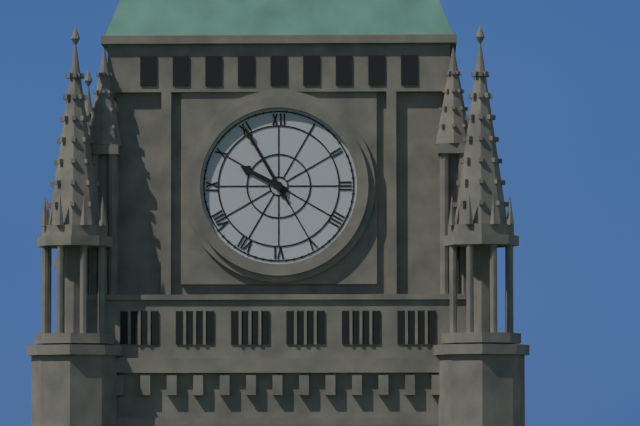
9:55
